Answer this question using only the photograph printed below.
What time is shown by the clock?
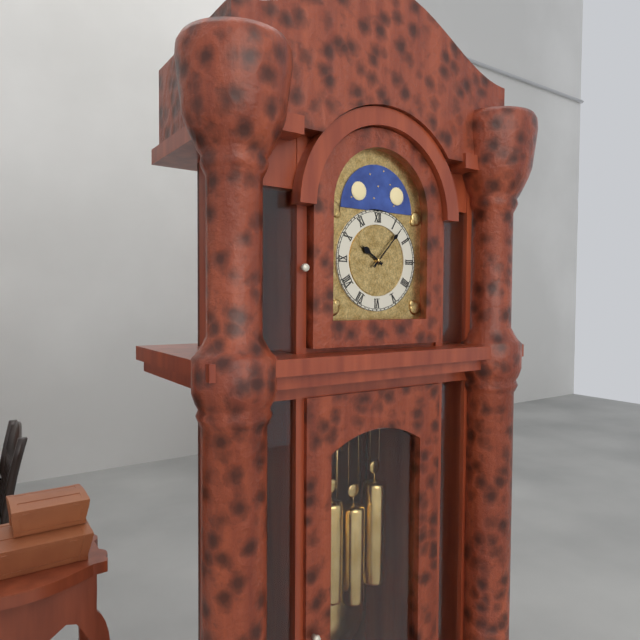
10:07
